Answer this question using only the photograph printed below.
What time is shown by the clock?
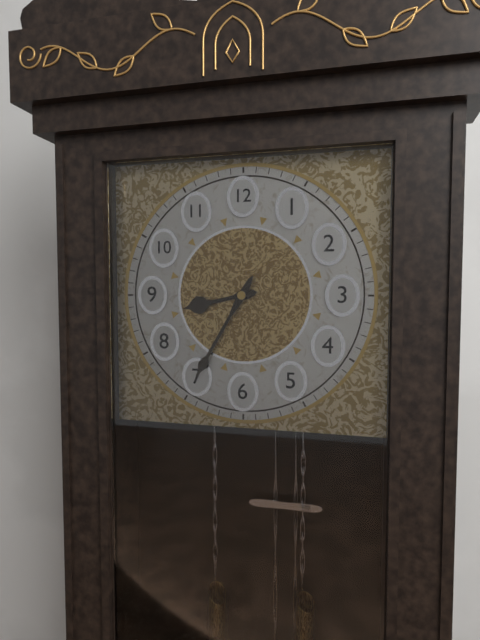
8:35
